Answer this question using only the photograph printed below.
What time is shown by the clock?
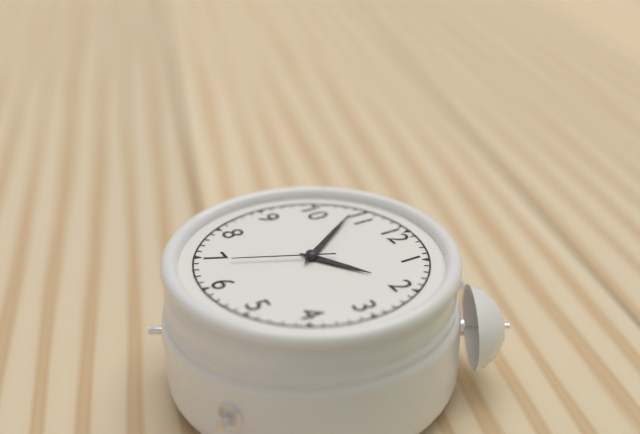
1:54:34
